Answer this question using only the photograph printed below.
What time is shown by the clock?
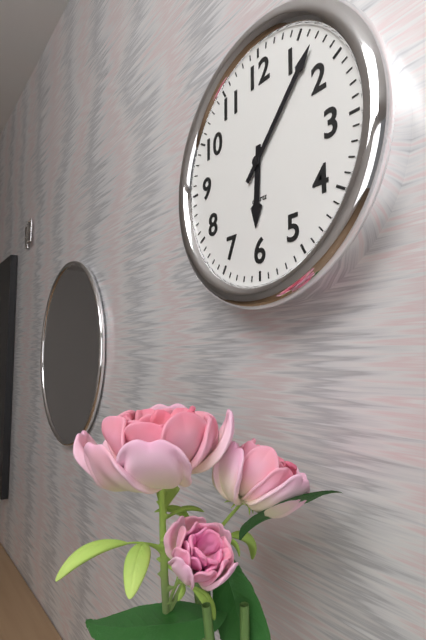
6:07
